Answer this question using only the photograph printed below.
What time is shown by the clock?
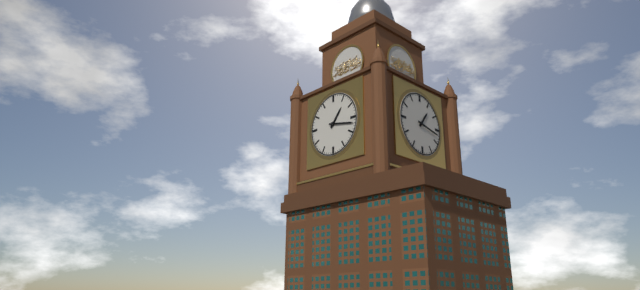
1:17
